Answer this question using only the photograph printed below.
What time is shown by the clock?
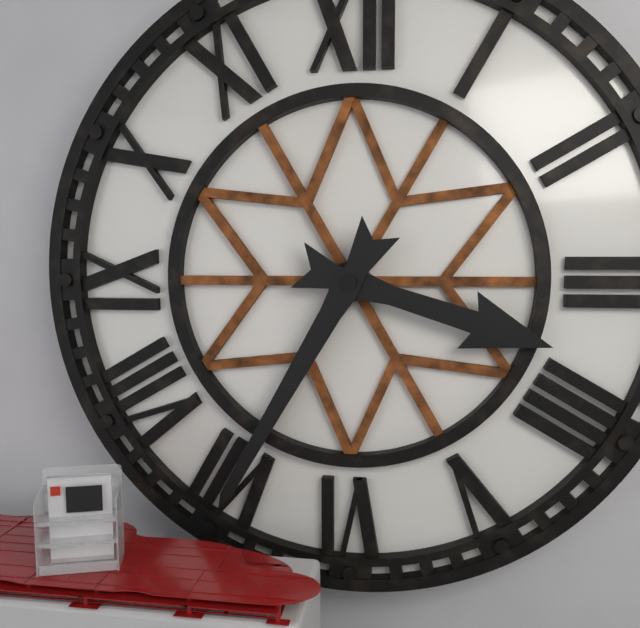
3:35
